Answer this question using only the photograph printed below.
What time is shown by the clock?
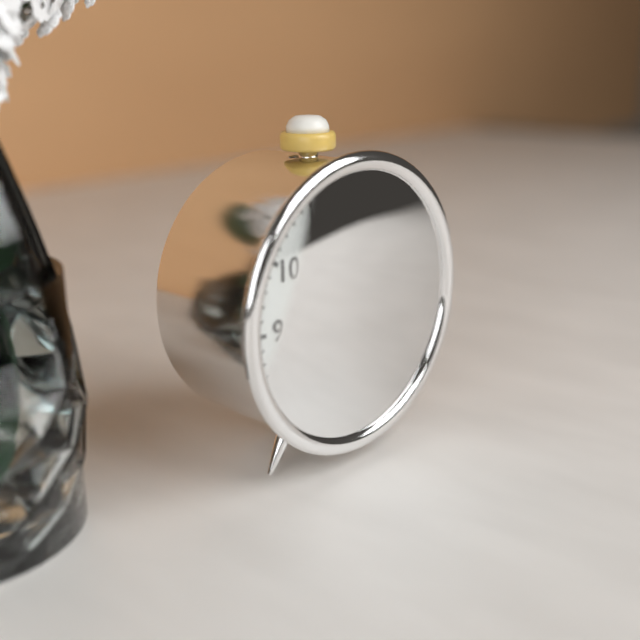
4:29
